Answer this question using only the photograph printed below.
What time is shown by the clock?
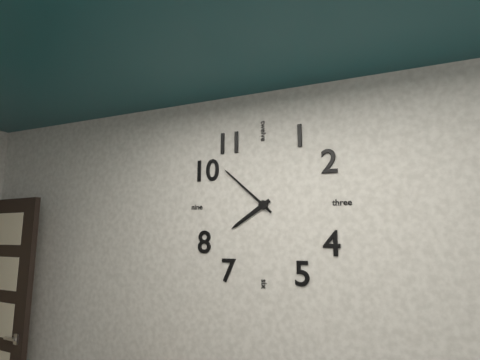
7:52
